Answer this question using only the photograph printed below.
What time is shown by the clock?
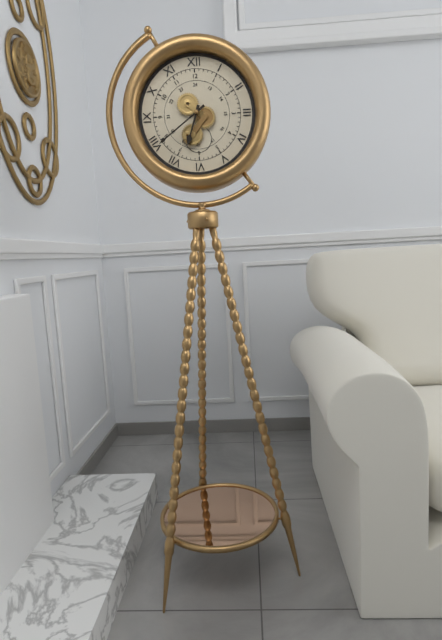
6:39
